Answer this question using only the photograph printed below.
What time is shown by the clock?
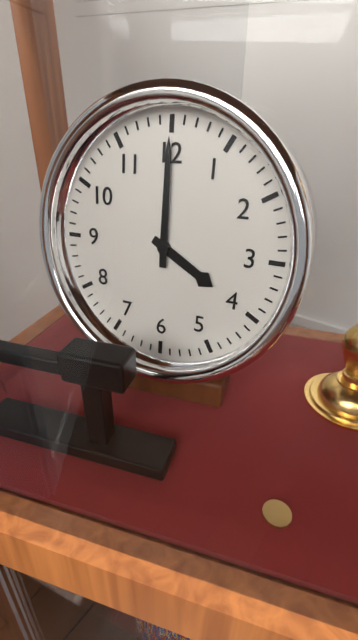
4:00
